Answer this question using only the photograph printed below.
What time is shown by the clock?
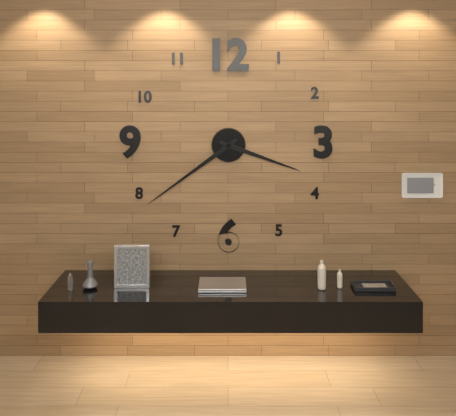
3:39
